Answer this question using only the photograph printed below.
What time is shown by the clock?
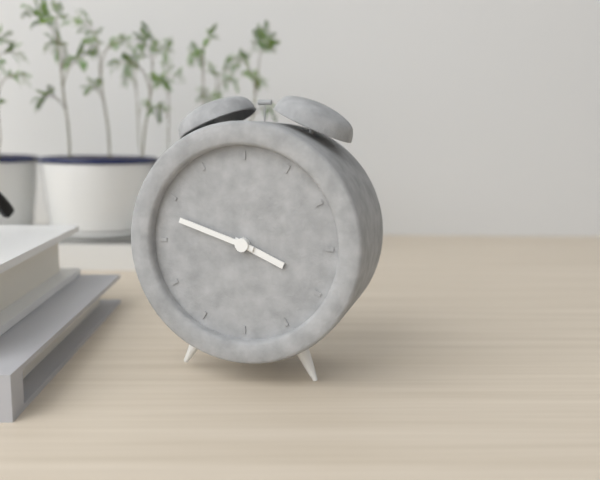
3:48
